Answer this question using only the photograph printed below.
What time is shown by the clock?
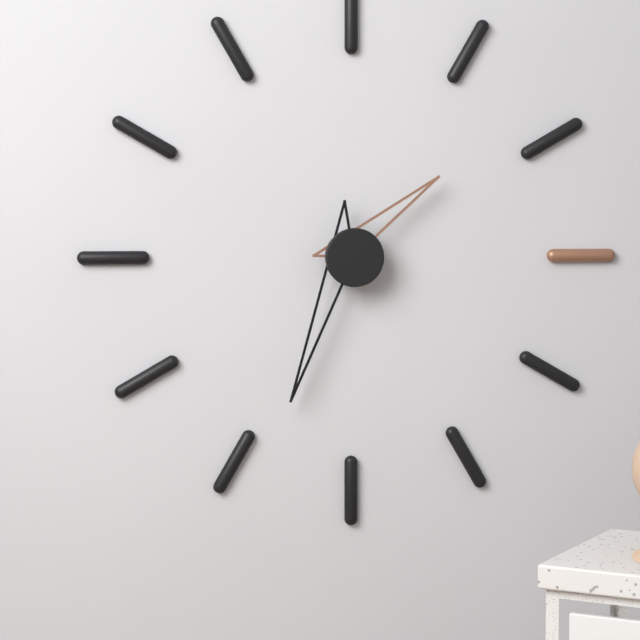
1:34
